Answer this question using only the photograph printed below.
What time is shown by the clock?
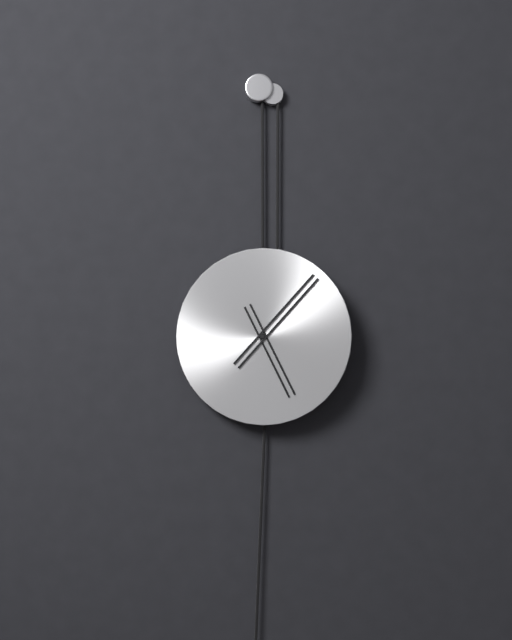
5:07
